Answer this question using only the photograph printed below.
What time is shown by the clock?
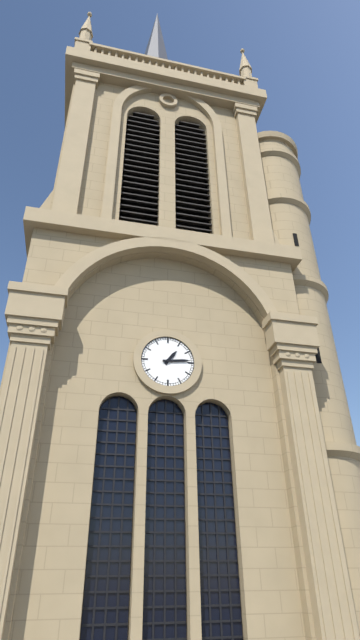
1:14
